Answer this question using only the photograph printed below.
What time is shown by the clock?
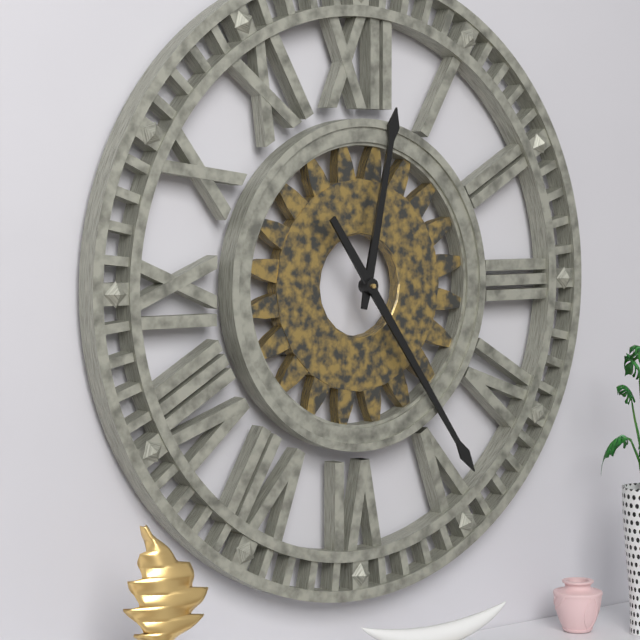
12:24
